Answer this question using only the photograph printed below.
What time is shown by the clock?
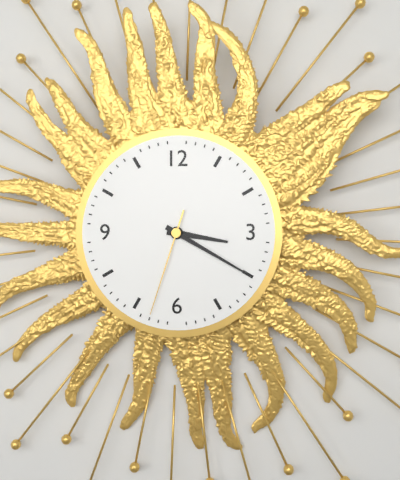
3:20:33
